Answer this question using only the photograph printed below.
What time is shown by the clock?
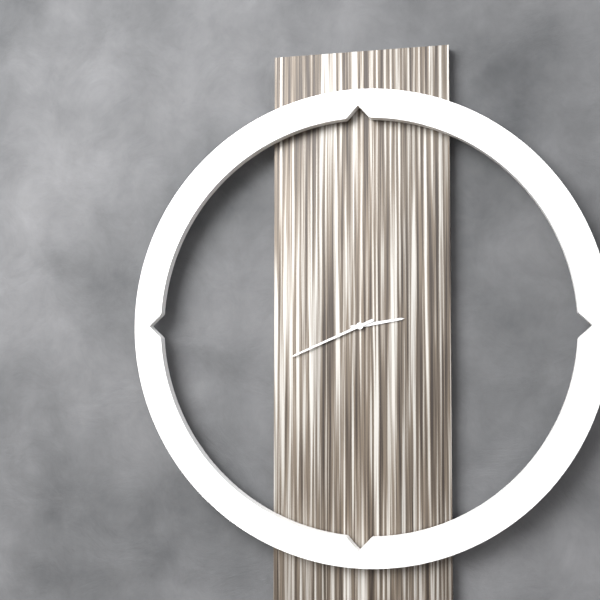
2:41
